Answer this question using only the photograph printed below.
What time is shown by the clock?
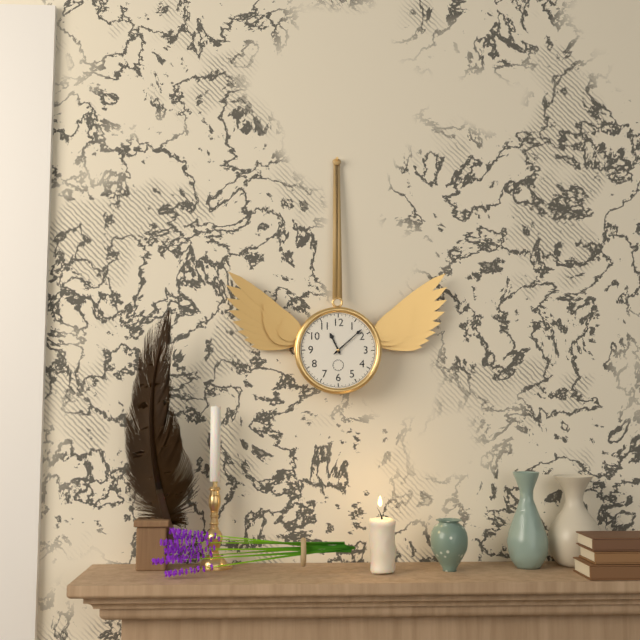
11:08
